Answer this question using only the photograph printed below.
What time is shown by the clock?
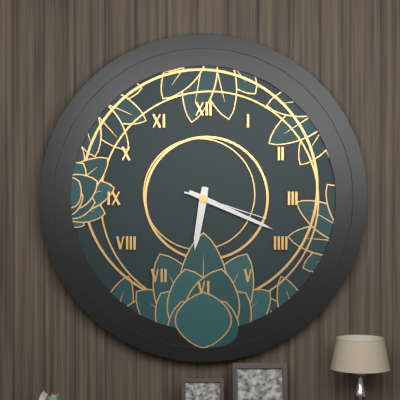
6:19:18
